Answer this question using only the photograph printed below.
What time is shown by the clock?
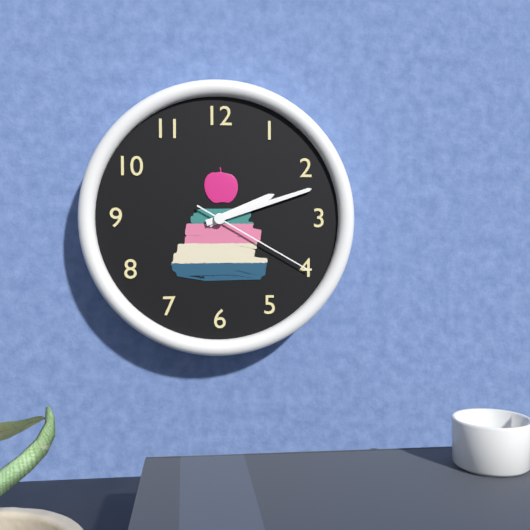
2:12:20
